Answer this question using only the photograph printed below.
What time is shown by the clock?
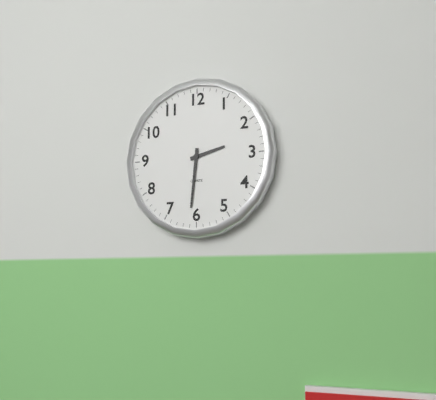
2:31
